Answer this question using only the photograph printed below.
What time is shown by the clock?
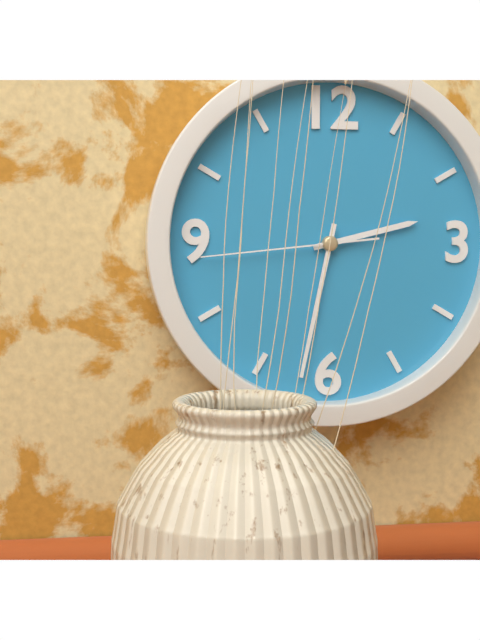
2:32:44
